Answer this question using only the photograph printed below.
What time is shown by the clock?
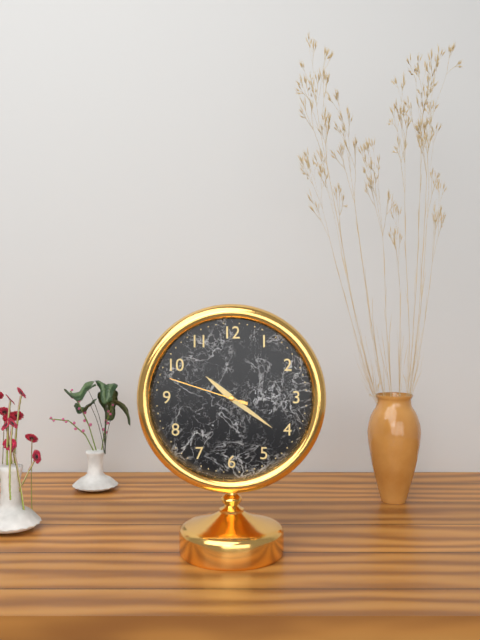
10:21:48
